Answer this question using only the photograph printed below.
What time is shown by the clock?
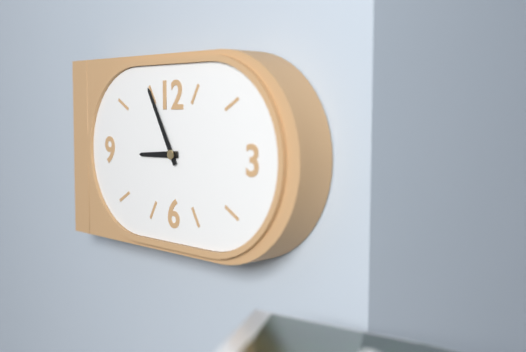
8:55
